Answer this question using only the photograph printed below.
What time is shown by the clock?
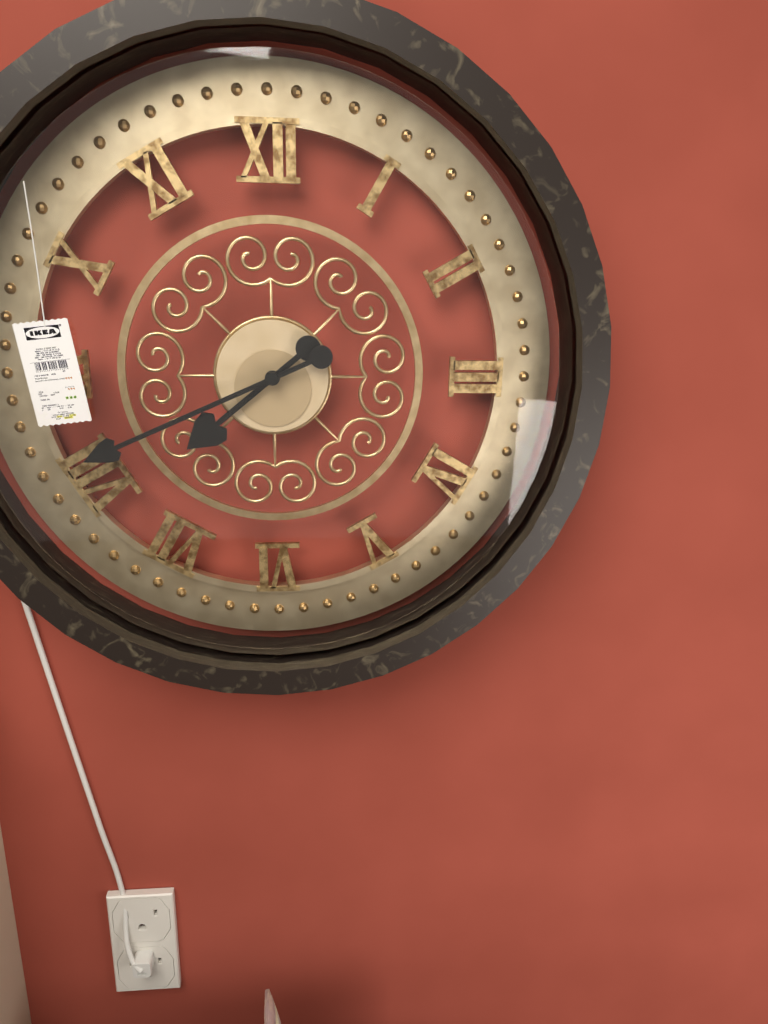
7:41
